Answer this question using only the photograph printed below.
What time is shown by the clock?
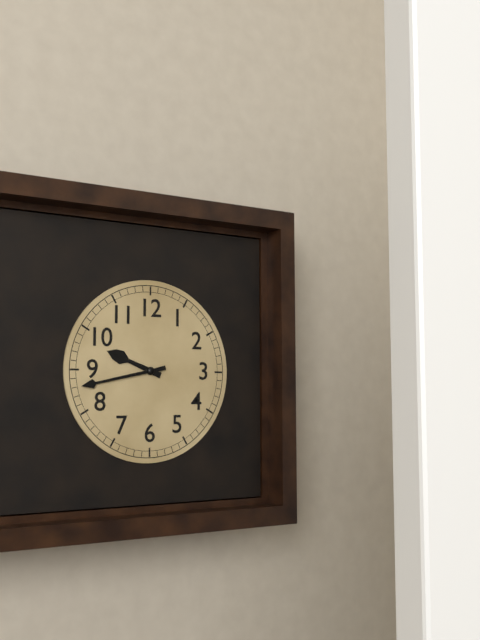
9:43
